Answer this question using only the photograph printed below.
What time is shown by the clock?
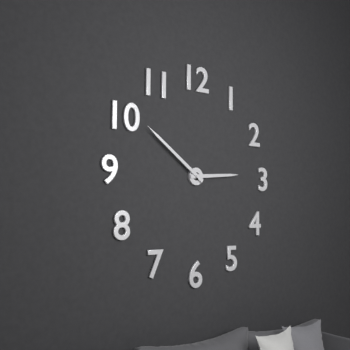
2:51
